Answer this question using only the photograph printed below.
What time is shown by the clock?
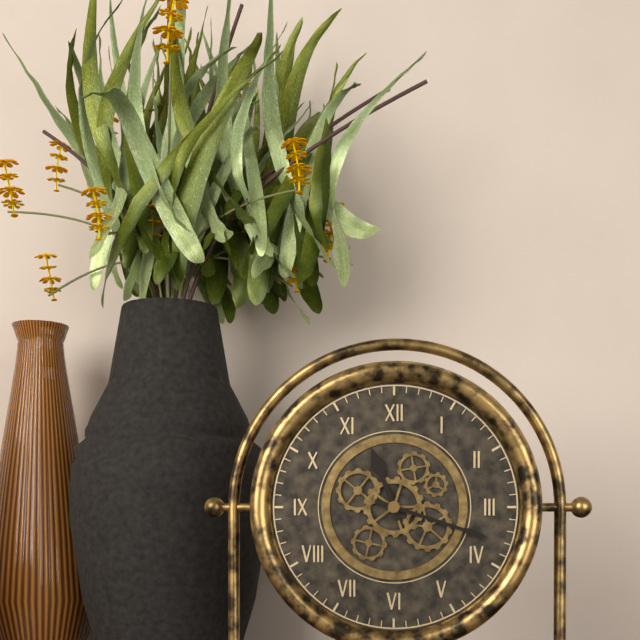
11:18
